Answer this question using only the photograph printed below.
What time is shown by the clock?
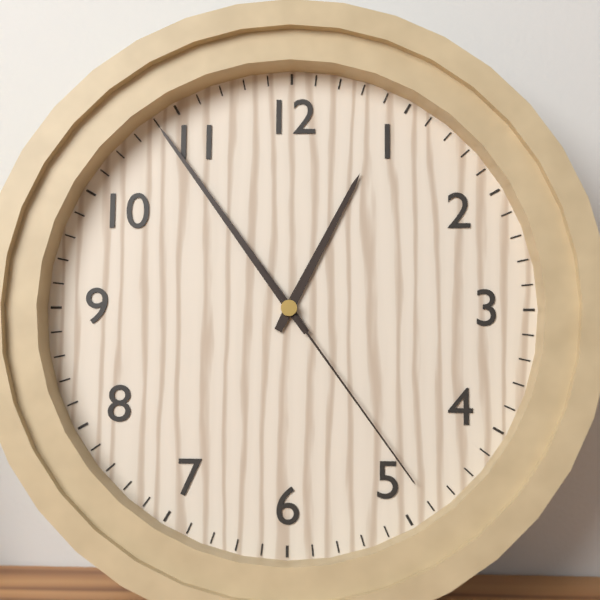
12:54:24
